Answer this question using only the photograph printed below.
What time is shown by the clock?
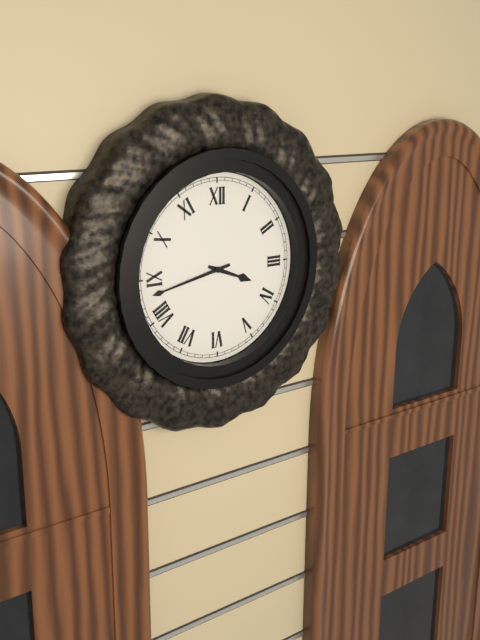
3:43
